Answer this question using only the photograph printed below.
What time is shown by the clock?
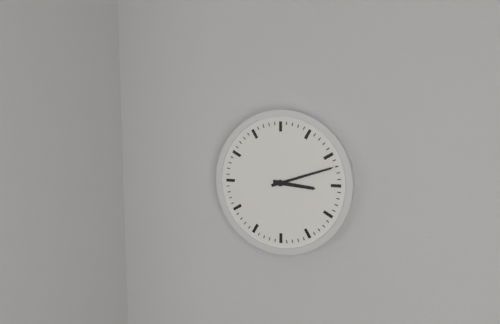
3:12
